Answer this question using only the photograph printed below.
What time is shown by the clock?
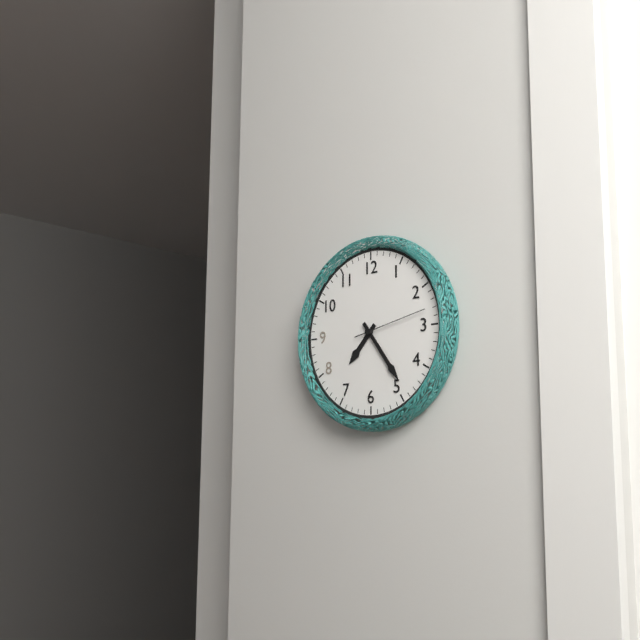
7:24:13
